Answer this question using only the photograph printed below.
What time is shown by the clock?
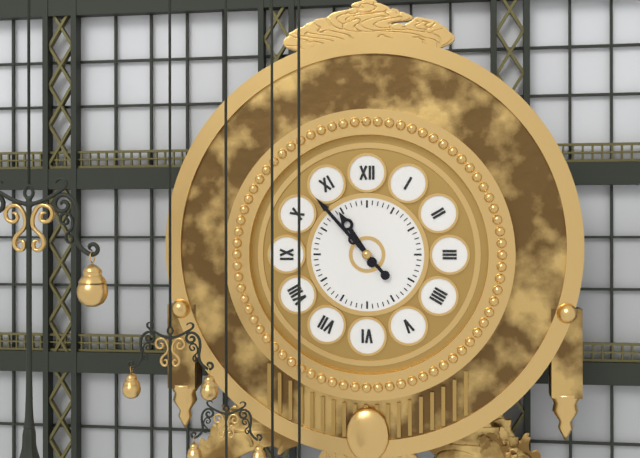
10:53
